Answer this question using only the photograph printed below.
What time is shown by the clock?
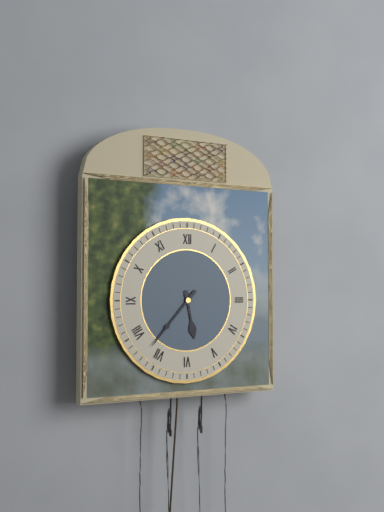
5:37
